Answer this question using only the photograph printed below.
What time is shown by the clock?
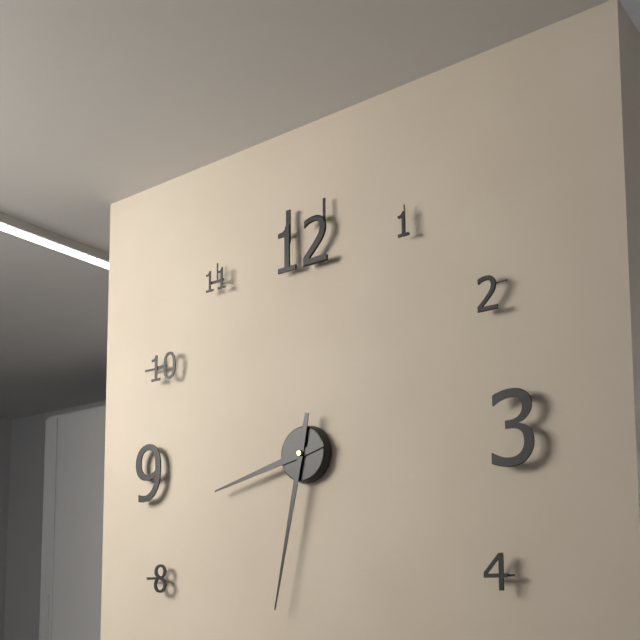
8:32
